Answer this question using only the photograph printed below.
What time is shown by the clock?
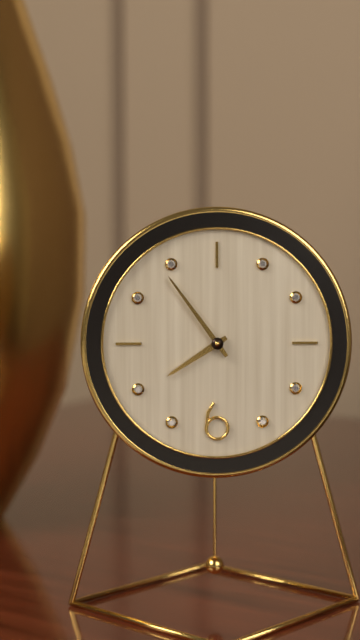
7:54
